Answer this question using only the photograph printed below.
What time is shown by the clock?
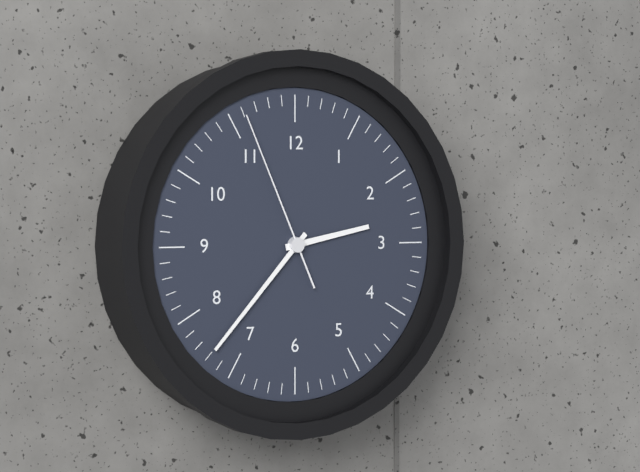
2:37:56
